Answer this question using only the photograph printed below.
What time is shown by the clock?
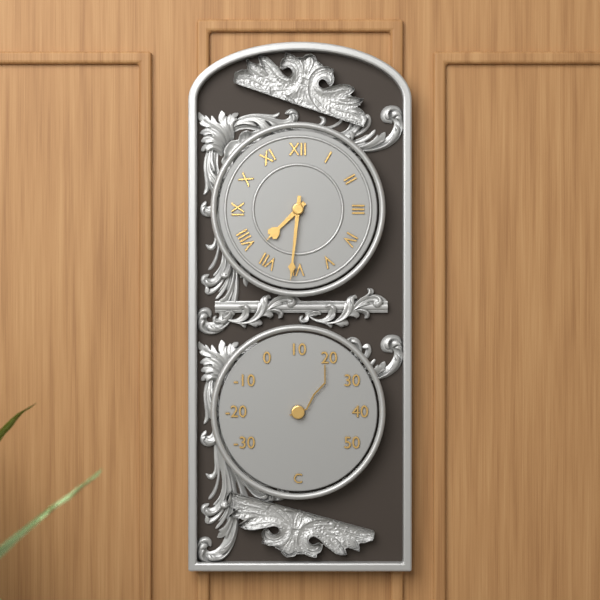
7:31
